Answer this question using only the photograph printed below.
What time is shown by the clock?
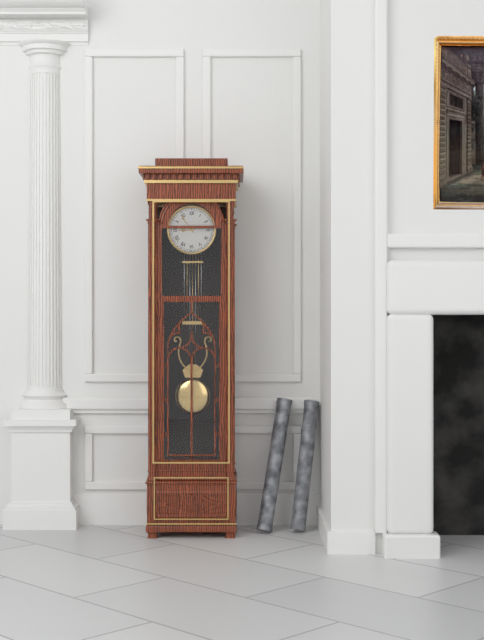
8:54
